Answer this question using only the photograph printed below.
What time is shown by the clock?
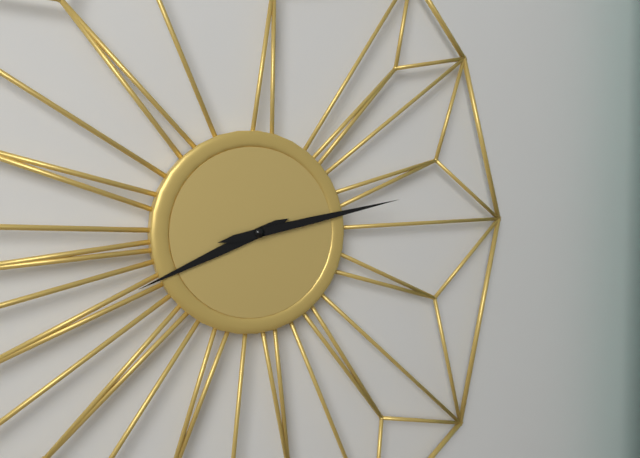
8:13
